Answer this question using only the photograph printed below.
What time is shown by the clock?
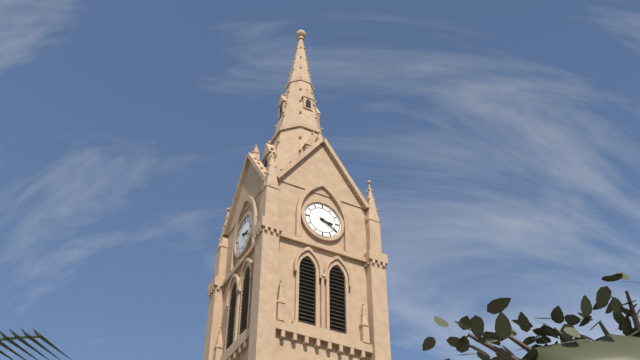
3:20
